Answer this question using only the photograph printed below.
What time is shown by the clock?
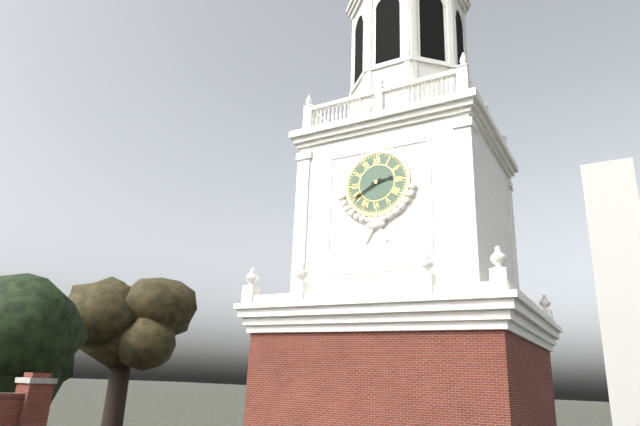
2:40
